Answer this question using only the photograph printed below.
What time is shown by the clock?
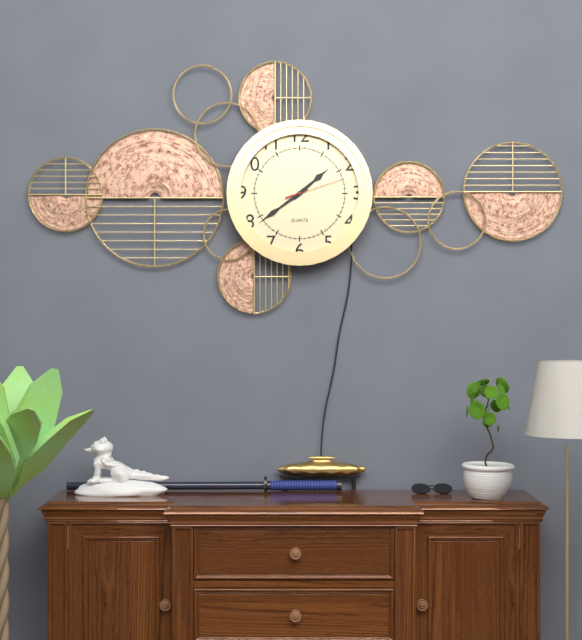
1:39:12
